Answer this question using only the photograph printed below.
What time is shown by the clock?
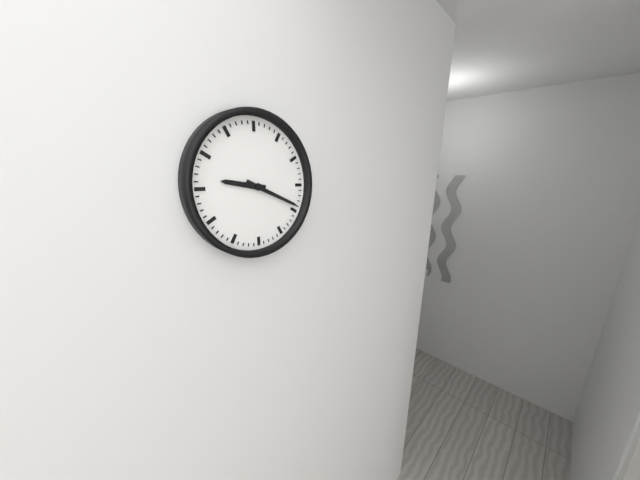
9:19
